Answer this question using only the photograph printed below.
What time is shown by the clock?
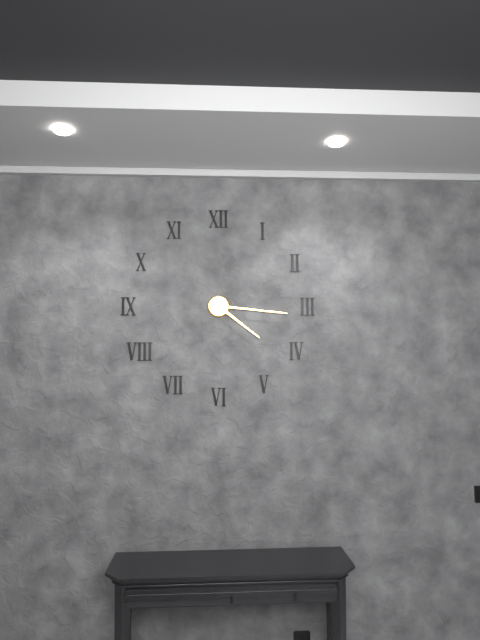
4:16
